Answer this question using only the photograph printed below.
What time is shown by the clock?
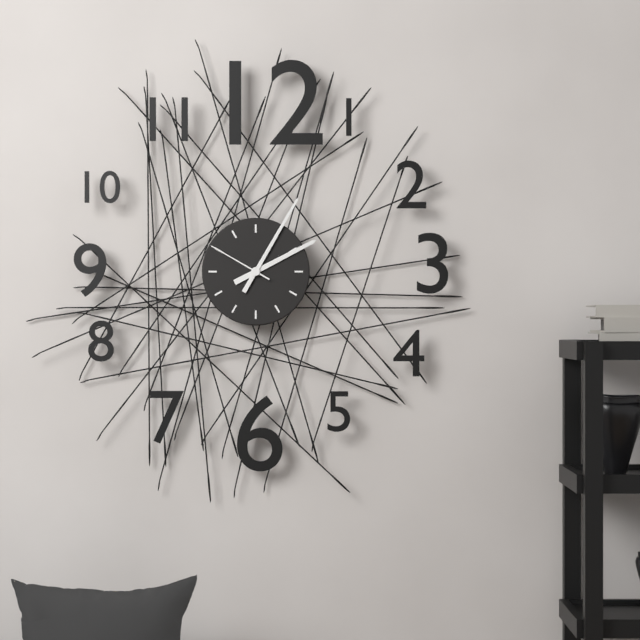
2:05:50
